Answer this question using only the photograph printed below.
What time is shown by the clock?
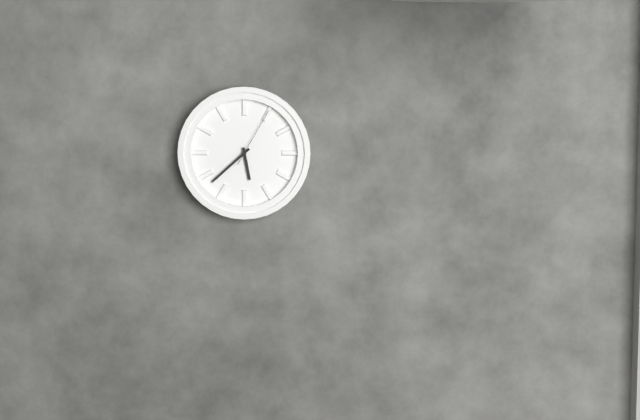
5:38:05
